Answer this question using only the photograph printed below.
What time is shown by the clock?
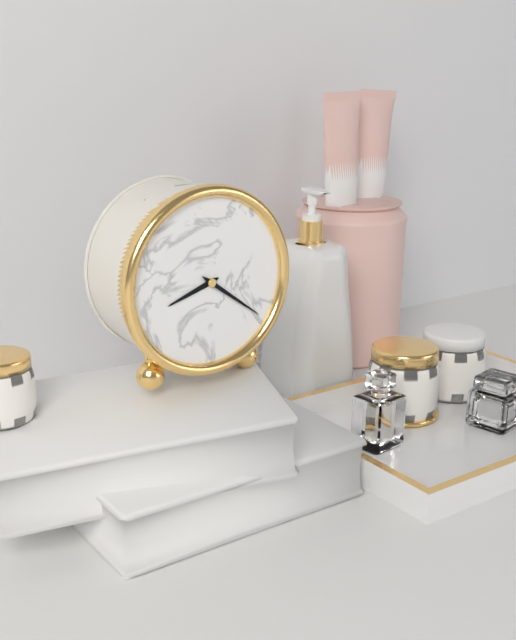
8:21
